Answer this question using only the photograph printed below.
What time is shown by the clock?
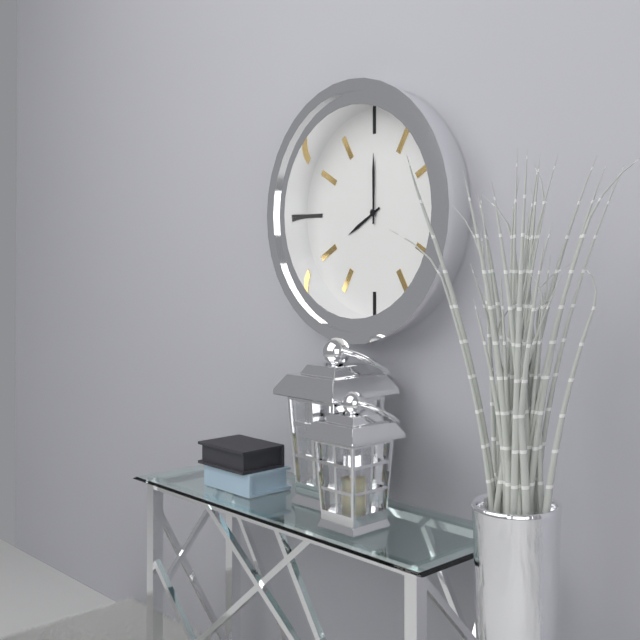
8:00
